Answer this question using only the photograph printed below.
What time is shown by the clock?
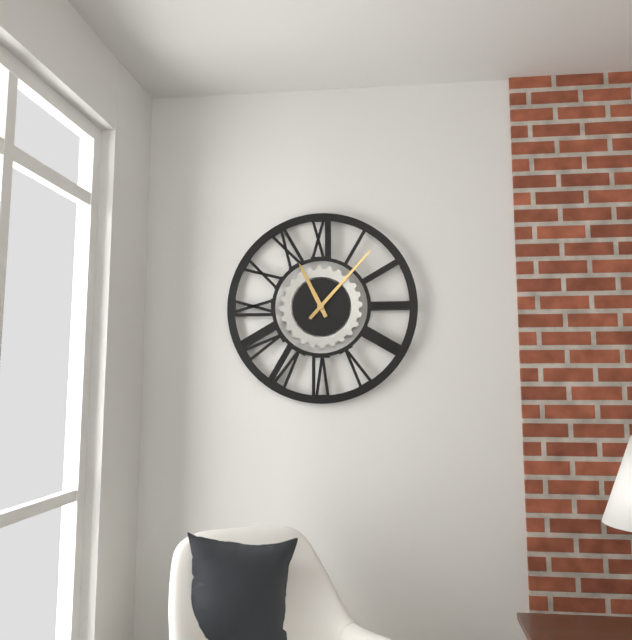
11:07
